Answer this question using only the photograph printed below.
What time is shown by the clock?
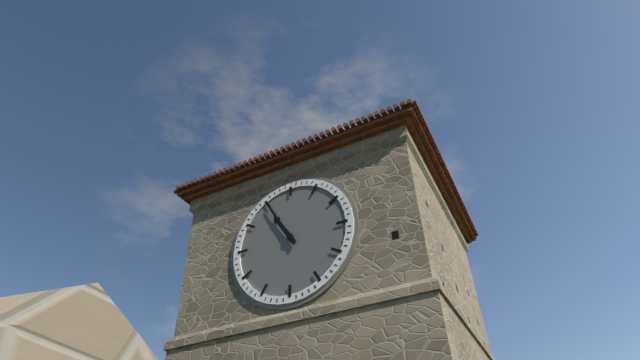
10:55
